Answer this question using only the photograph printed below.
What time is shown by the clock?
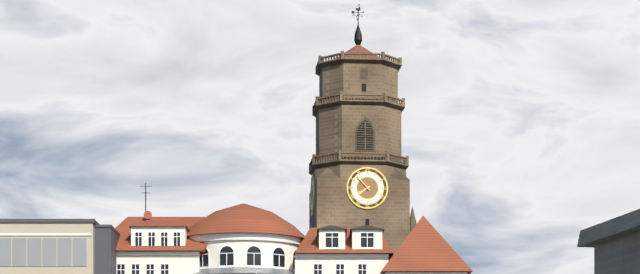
7:53
